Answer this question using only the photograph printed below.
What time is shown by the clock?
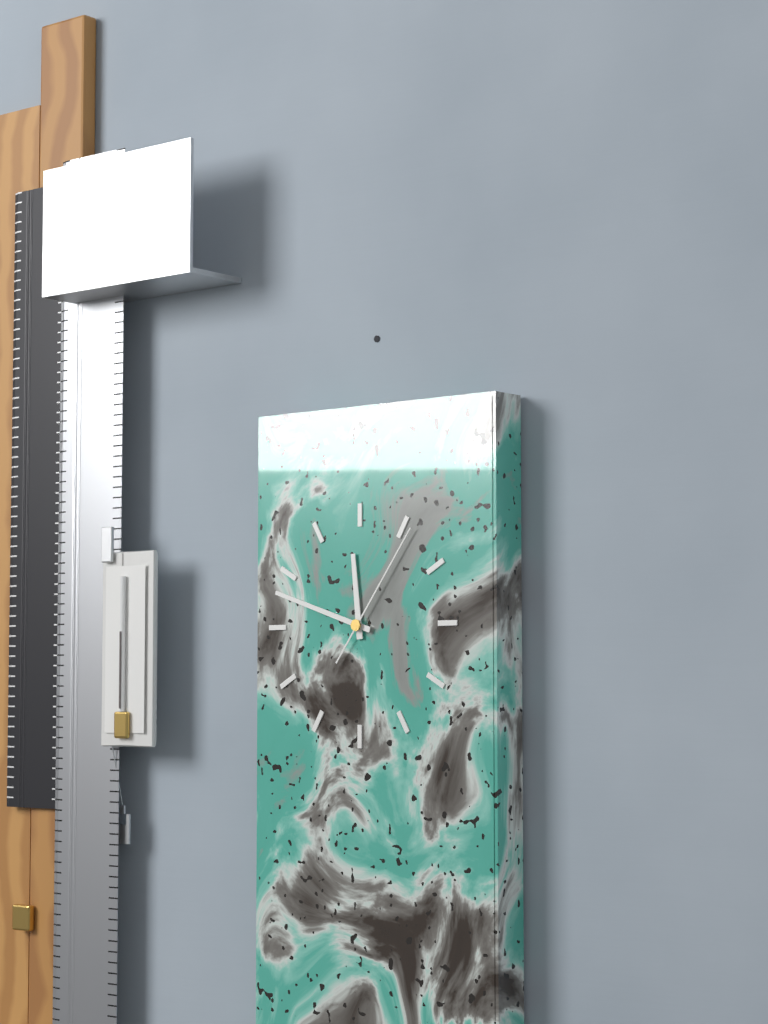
11:48:06
